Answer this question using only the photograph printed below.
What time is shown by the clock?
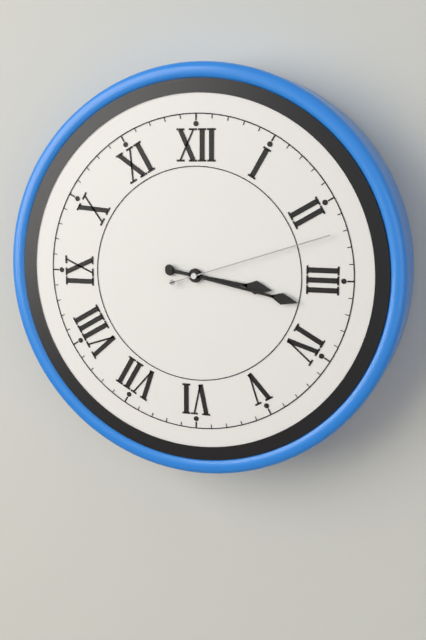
3:17:12
